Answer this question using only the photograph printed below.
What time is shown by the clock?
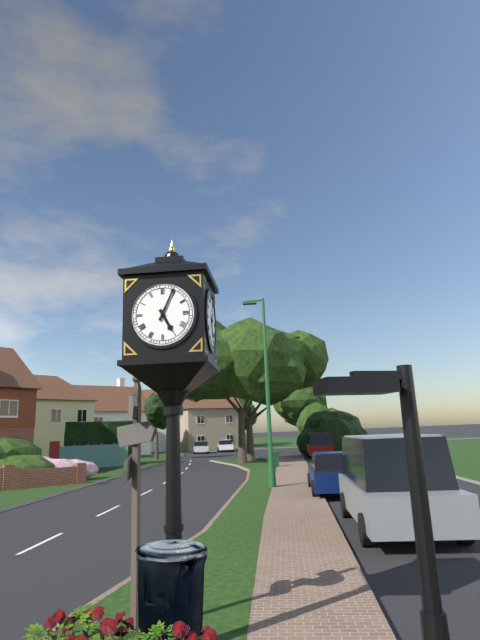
5:04
